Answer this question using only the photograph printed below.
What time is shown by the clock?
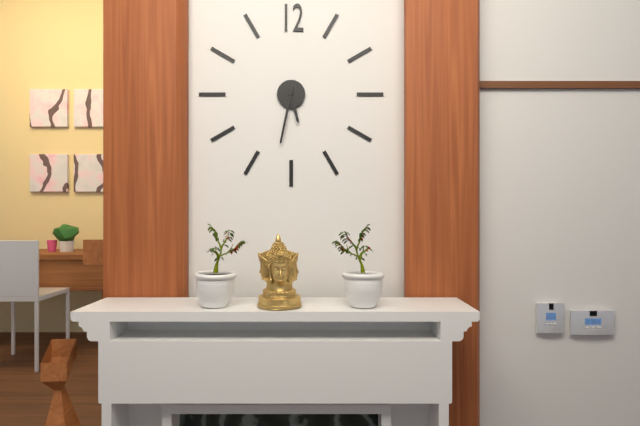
5:32
